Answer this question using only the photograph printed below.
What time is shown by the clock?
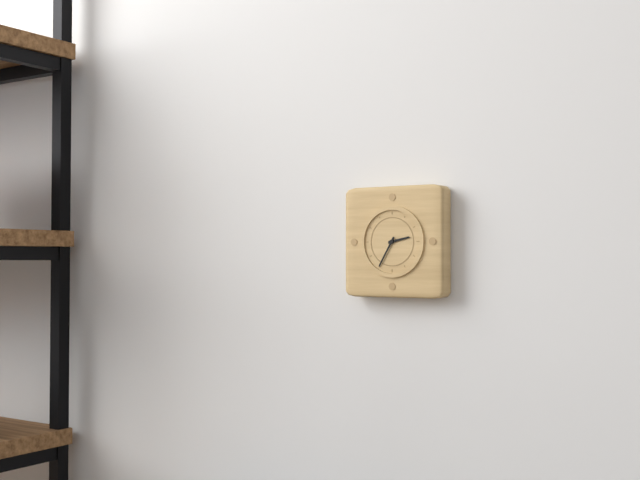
2:35
